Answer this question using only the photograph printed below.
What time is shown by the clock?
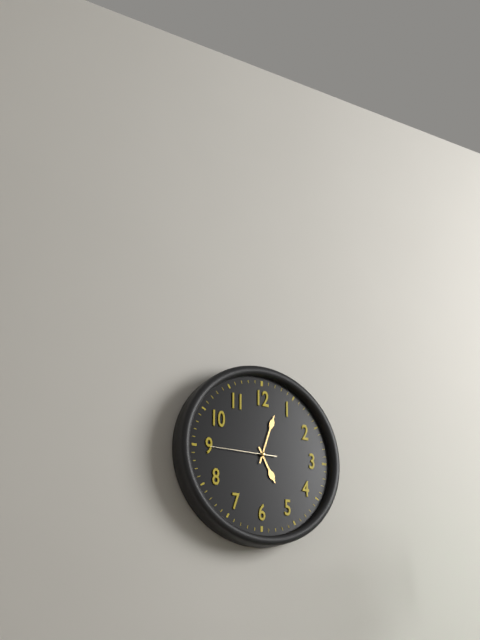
5:03:45
